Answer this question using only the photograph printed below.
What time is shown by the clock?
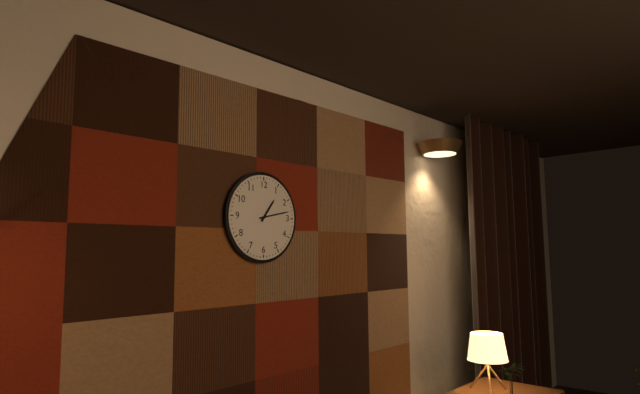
1:13
